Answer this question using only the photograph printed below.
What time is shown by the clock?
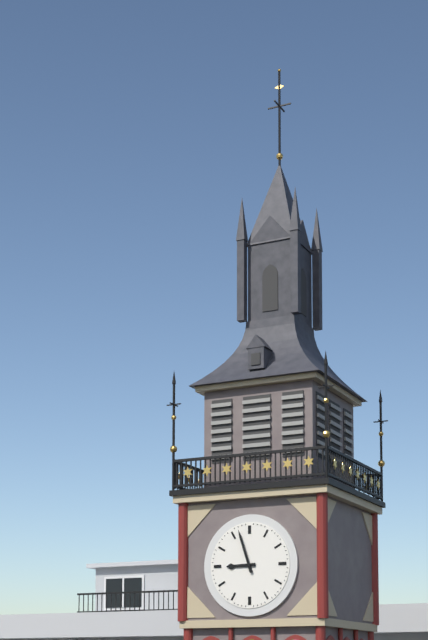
8:57
